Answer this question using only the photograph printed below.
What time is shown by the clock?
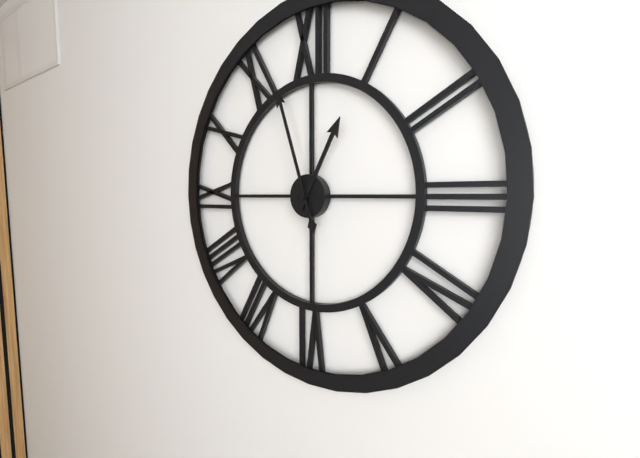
12:57
